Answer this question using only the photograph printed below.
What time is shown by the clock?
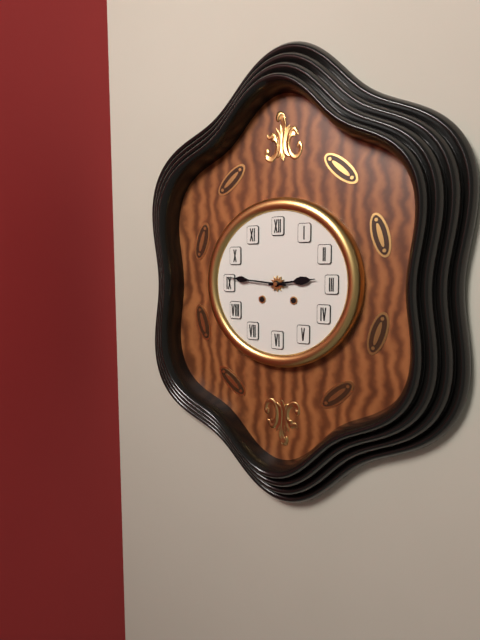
2:46
